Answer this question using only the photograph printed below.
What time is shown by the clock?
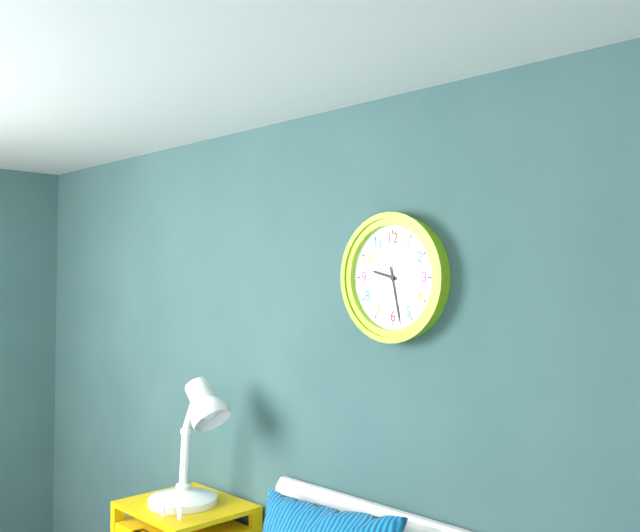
9:28
